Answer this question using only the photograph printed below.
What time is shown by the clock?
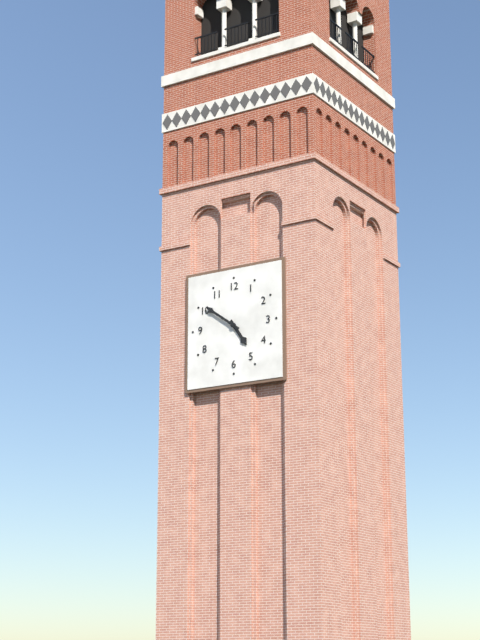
4:51
